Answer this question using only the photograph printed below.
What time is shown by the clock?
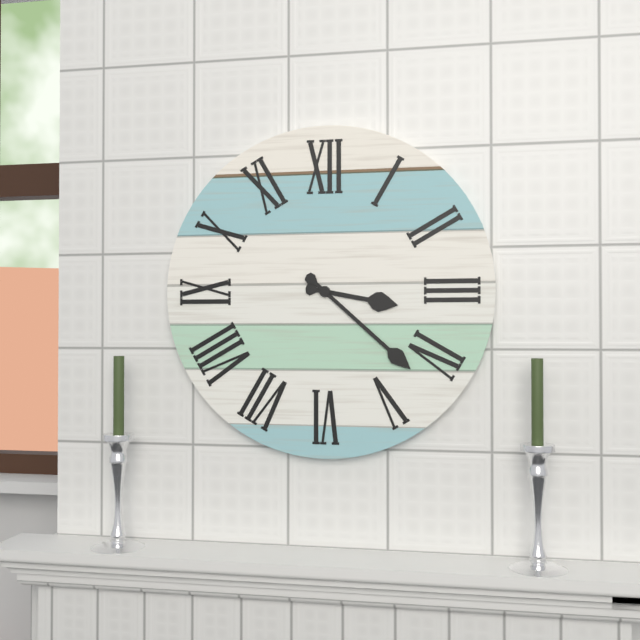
3:22
